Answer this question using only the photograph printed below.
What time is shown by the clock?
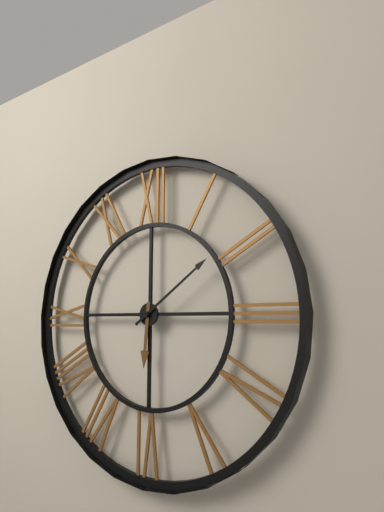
6:09
